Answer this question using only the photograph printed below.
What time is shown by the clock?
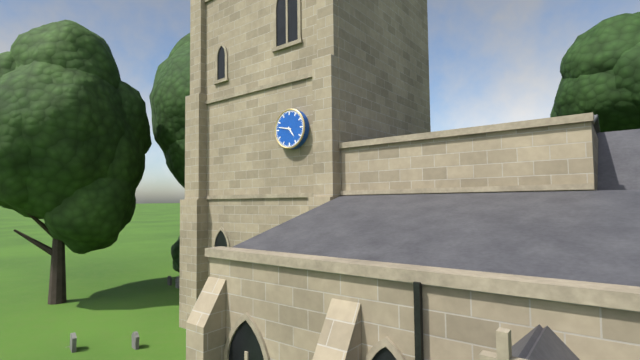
4:47
